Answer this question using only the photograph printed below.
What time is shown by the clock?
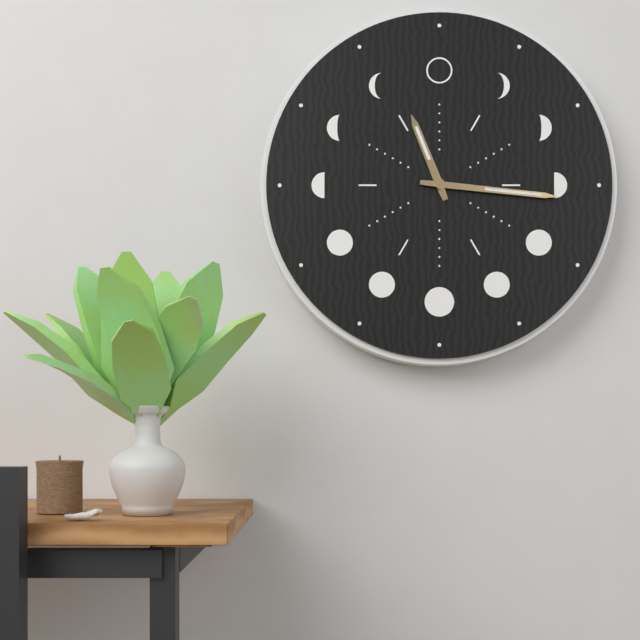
11:16
